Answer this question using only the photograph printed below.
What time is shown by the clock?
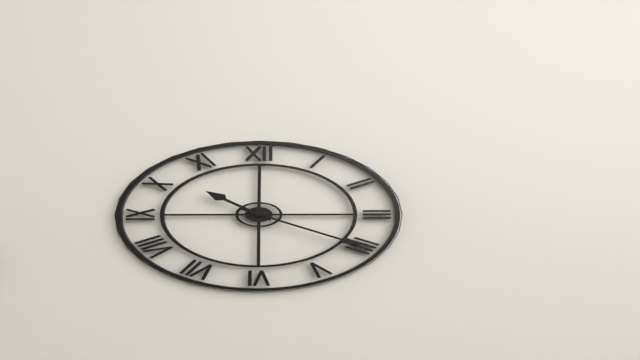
10:20
